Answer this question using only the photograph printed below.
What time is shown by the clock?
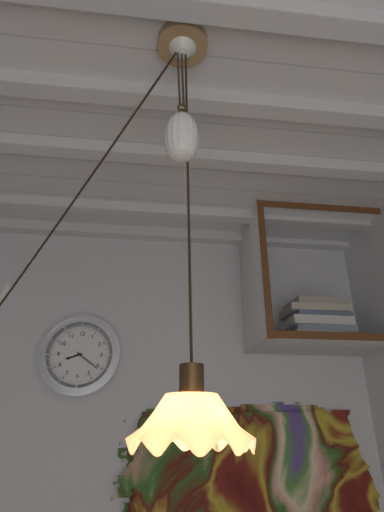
8:21
